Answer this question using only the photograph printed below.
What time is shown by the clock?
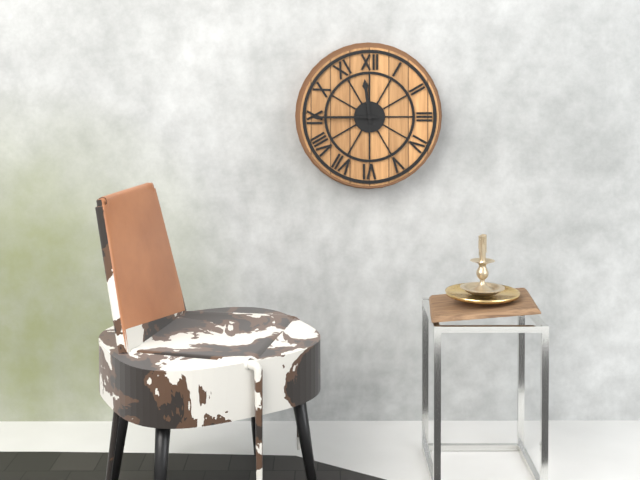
11:45
